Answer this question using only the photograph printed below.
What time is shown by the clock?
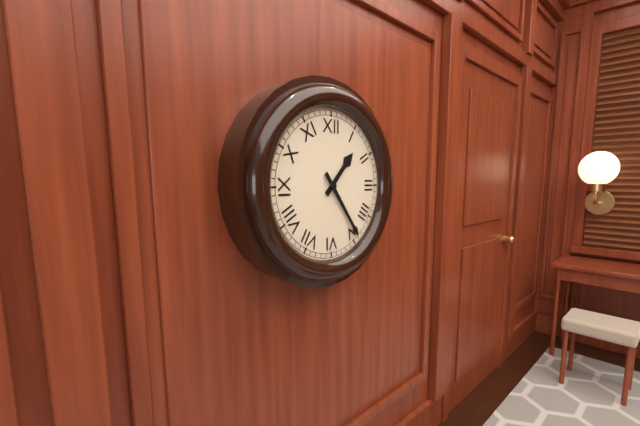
1:24
